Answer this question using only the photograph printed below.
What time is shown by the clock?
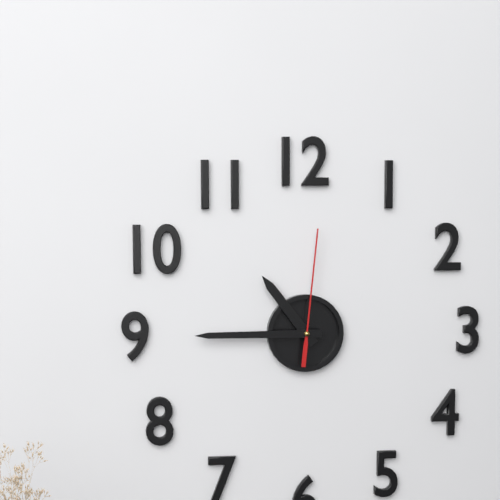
10:45:01
